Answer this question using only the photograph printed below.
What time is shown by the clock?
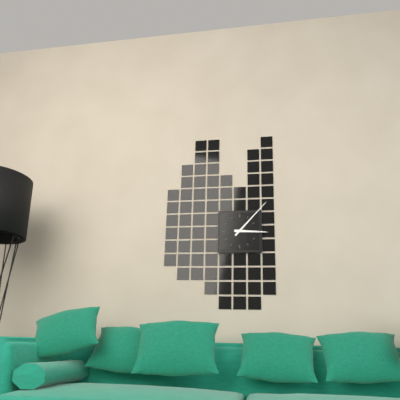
3:07
